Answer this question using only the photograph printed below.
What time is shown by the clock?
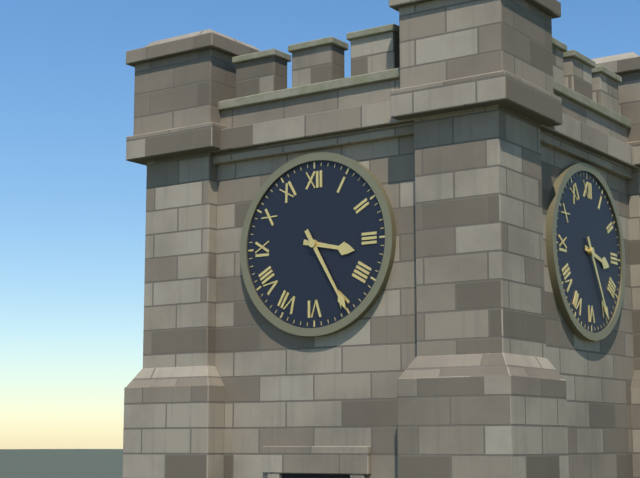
3:25
